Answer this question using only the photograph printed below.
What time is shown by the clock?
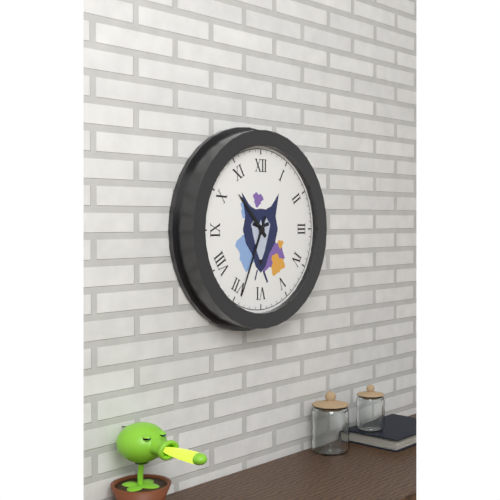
10:34
